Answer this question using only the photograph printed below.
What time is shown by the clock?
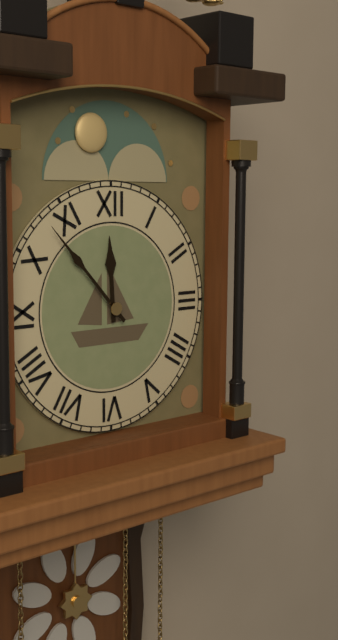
11:53
